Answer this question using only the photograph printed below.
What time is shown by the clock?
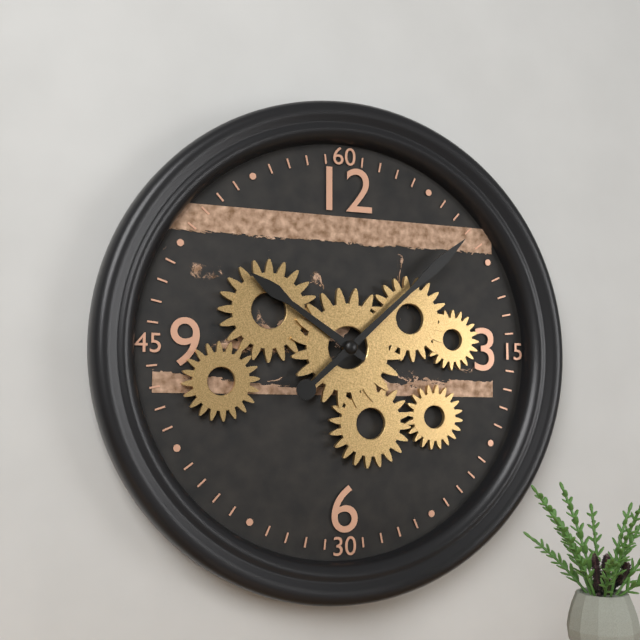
10:08
